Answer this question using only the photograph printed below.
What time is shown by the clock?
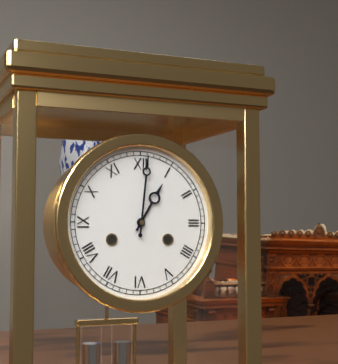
1:01
